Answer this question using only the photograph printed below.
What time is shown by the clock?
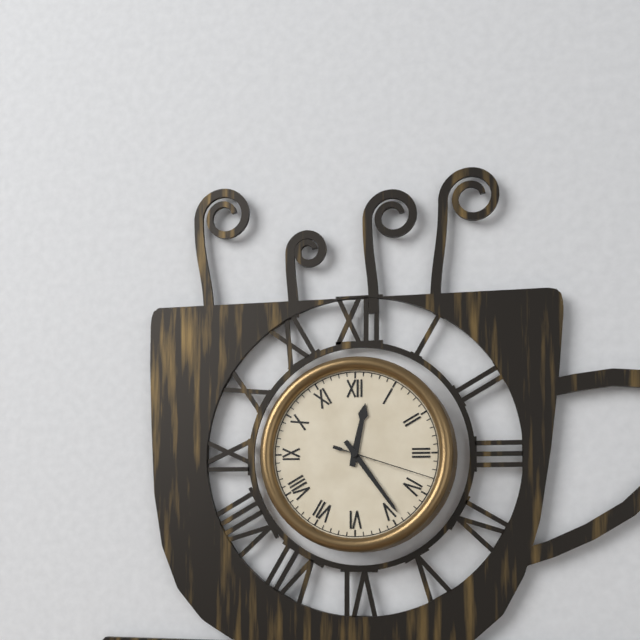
12:24:18
